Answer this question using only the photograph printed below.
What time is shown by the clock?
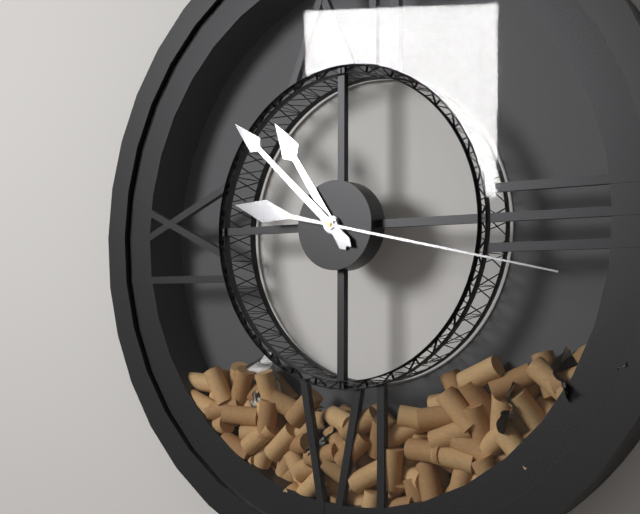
10:52:17
